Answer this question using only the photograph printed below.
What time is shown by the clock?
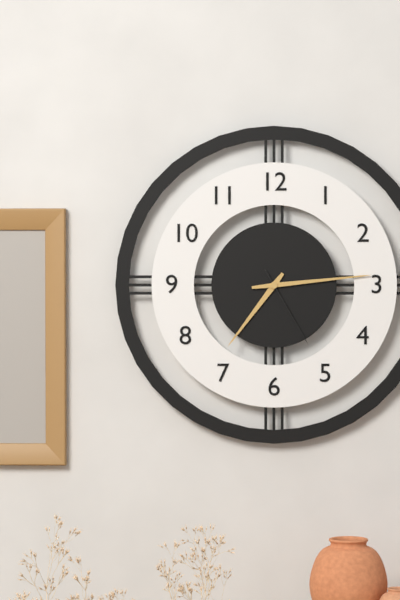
7:14:25
